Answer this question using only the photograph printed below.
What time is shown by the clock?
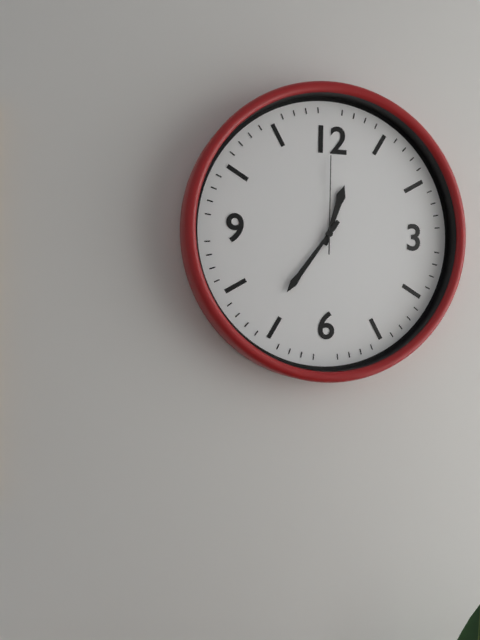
12:36:00
